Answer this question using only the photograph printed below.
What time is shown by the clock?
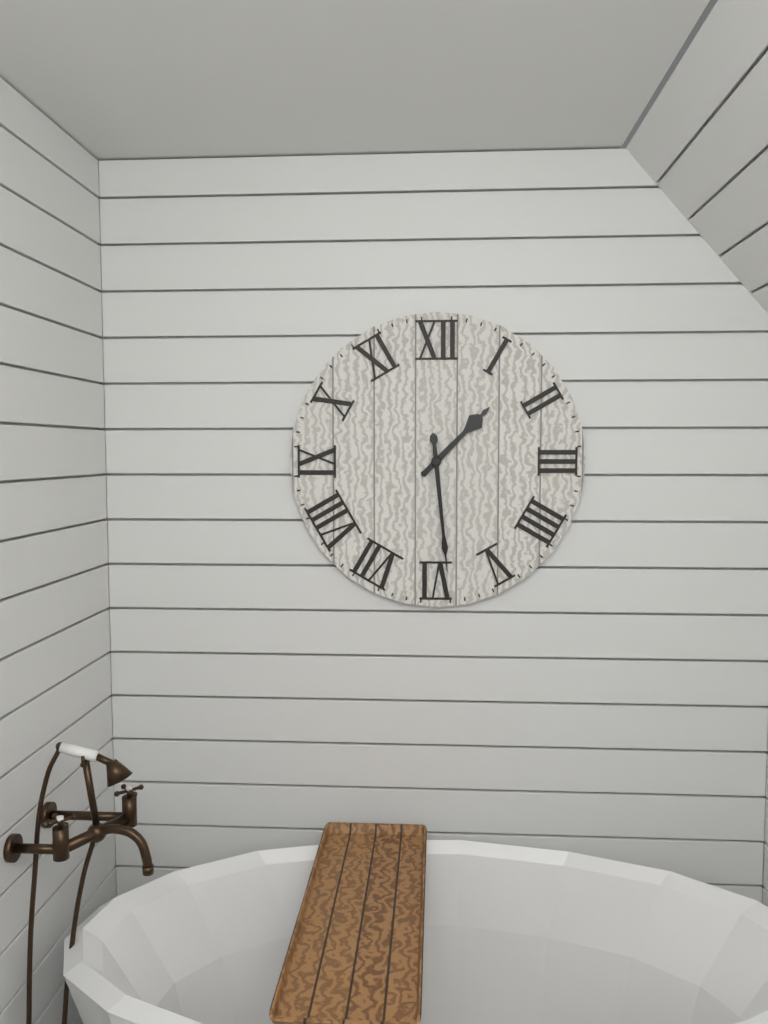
1:29
